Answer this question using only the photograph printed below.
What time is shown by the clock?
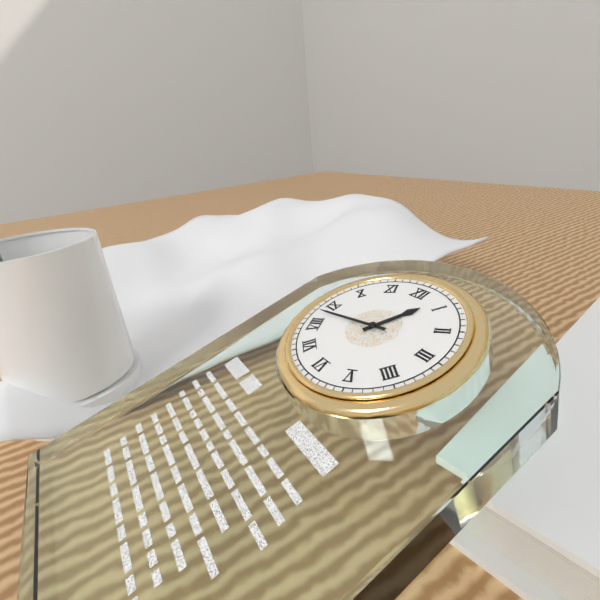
12:43
